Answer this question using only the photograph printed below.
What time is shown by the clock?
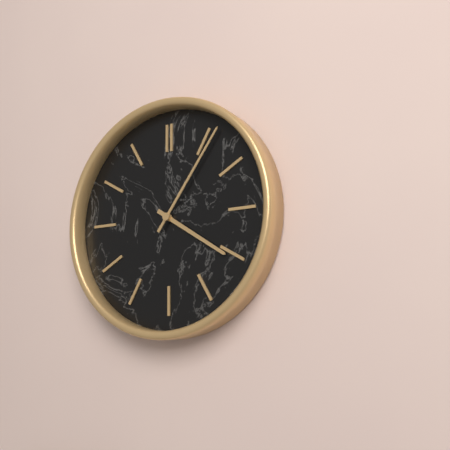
4:06
